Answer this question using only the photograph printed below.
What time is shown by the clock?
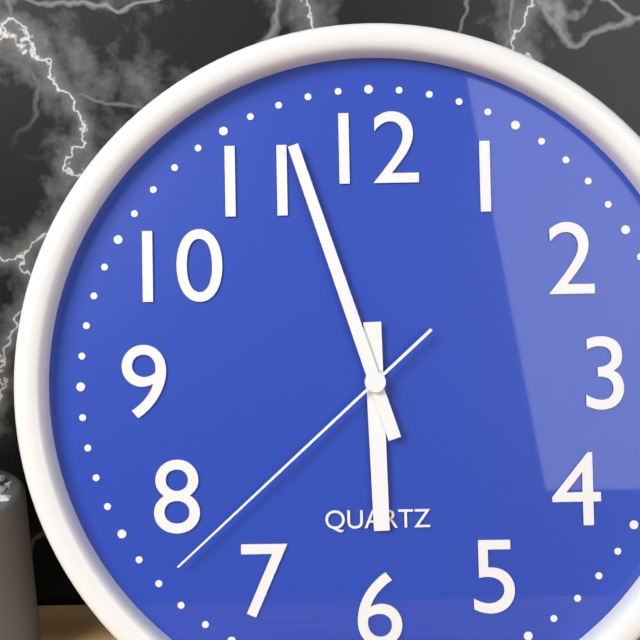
5:57:38
